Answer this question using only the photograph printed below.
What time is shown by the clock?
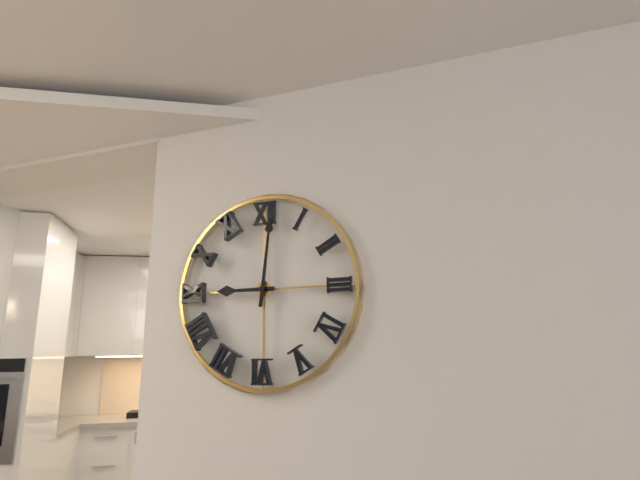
9:01
